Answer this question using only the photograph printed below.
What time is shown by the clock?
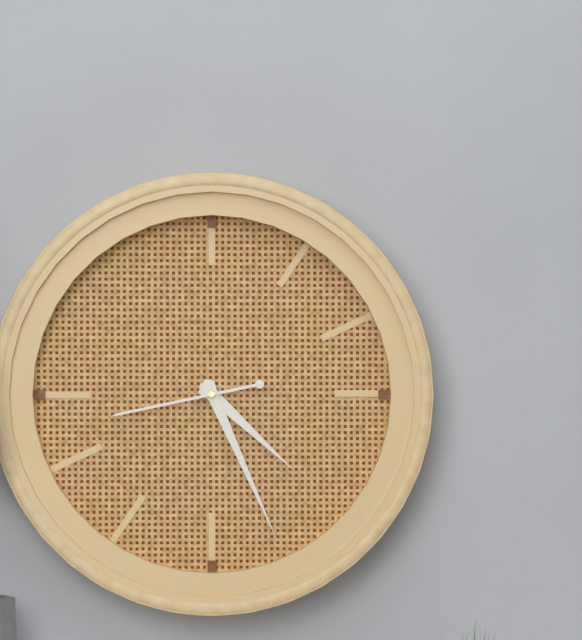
4:26:43
